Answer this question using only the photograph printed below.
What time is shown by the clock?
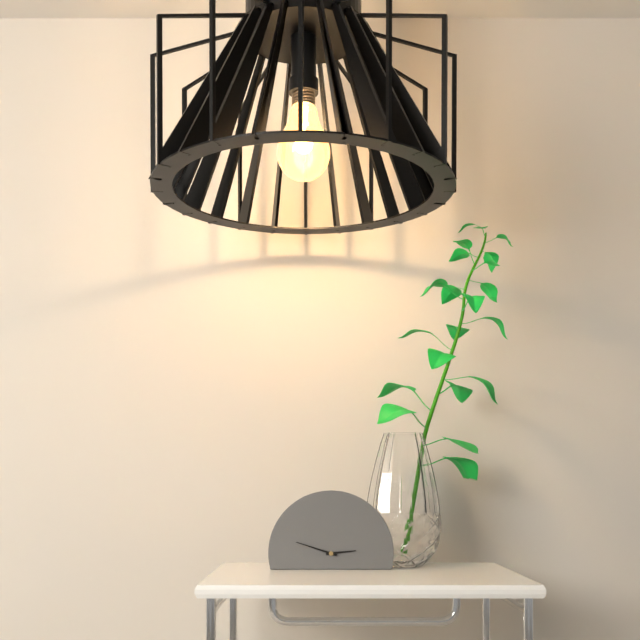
2:48
